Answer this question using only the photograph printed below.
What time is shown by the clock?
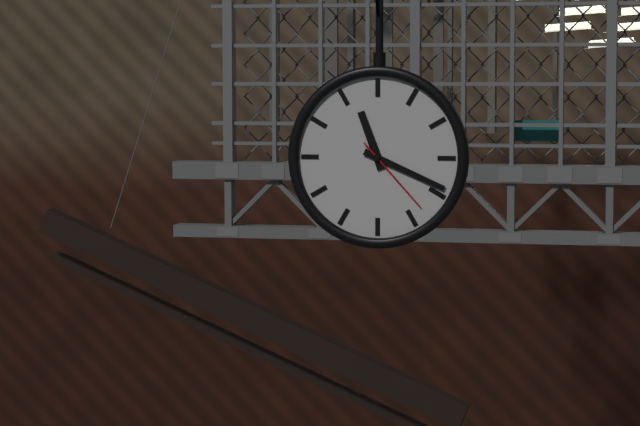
11:19:23
